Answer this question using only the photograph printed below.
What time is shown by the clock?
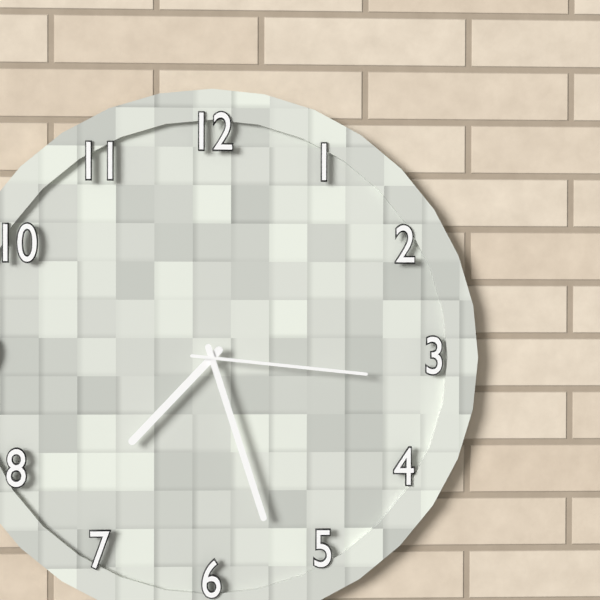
7:27:16
